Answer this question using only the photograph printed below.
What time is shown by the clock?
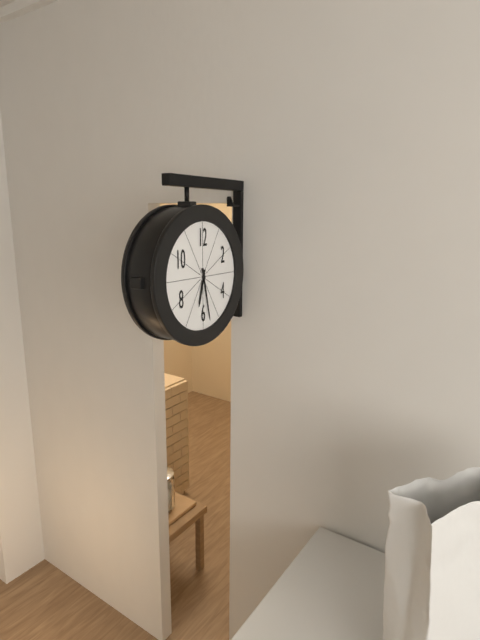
6:28
